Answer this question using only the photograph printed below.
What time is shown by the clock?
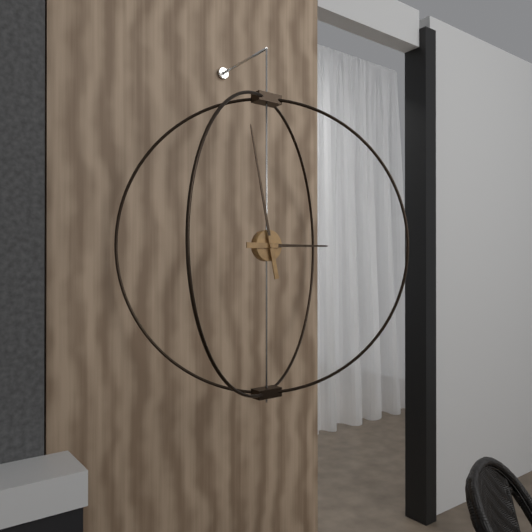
2:58
